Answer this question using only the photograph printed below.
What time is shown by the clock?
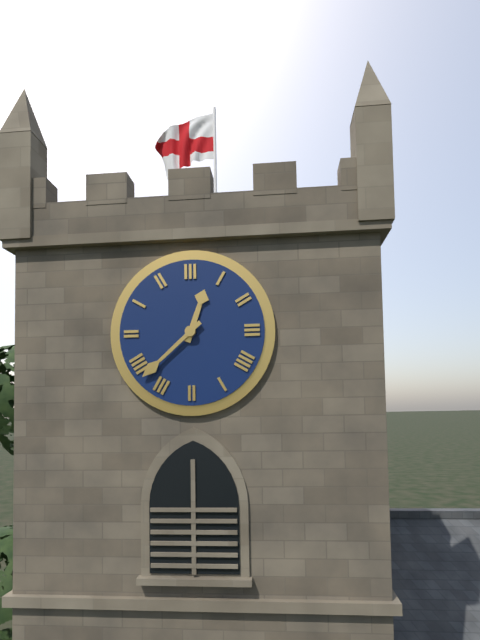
12:38
